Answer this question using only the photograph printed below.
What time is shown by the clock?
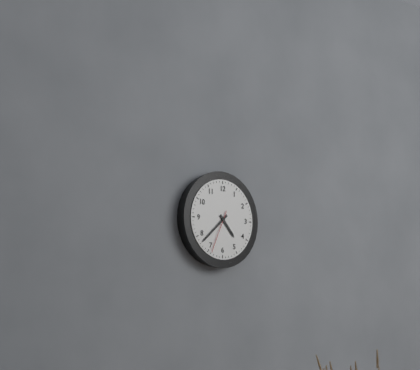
4:38
